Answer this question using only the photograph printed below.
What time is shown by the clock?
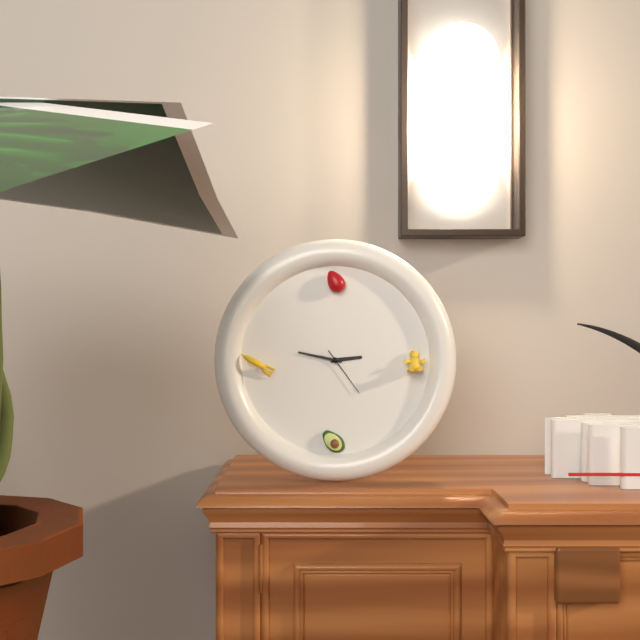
2:47:24
